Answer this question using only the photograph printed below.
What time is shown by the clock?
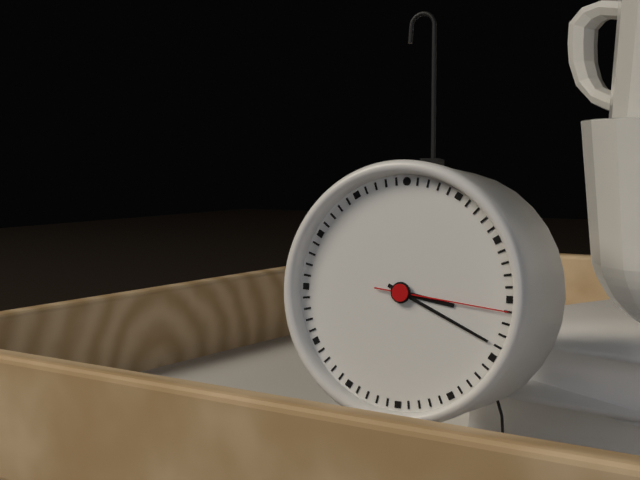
3:19:16
